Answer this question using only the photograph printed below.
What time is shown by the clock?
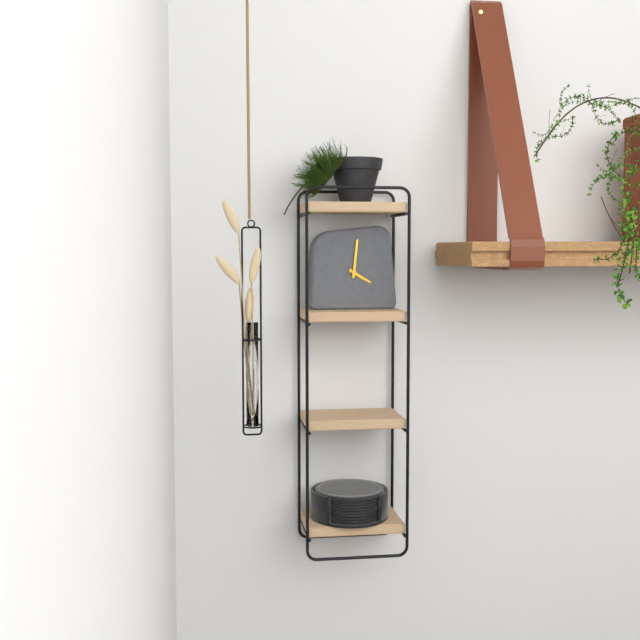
4:01
